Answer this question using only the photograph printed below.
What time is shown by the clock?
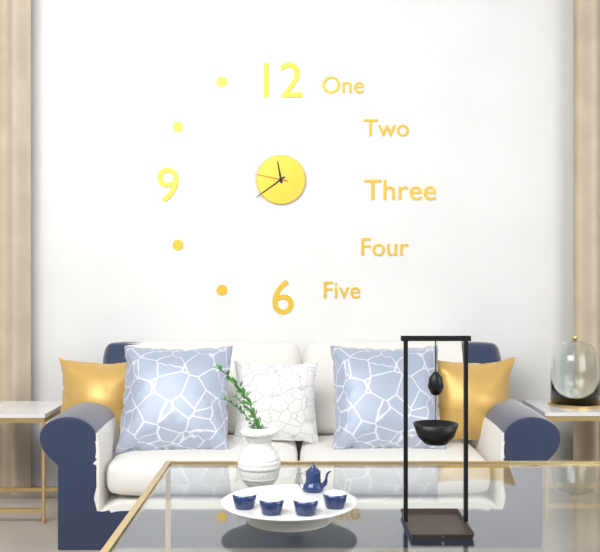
11:39
